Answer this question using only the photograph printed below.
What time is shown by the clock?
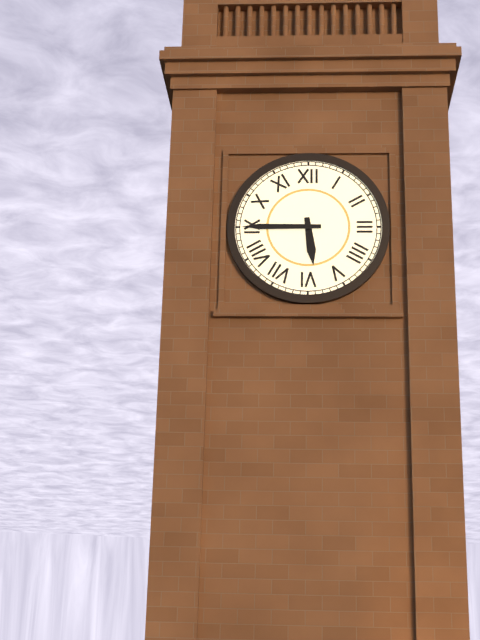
5:45
